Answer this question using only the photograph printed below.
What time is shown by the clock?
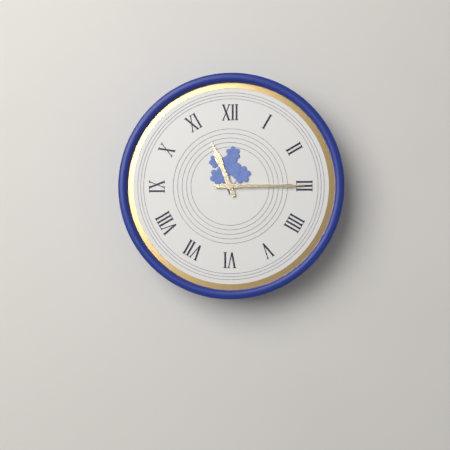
11:15
